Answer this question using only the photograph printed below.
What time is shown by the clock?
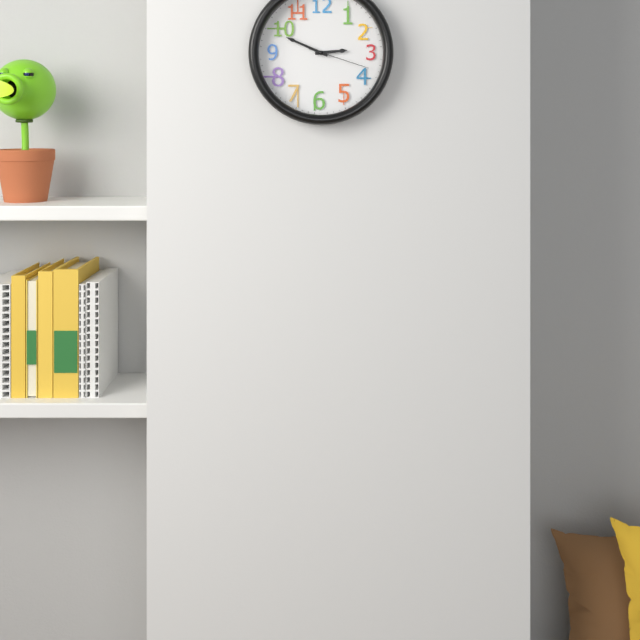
2:49:18
